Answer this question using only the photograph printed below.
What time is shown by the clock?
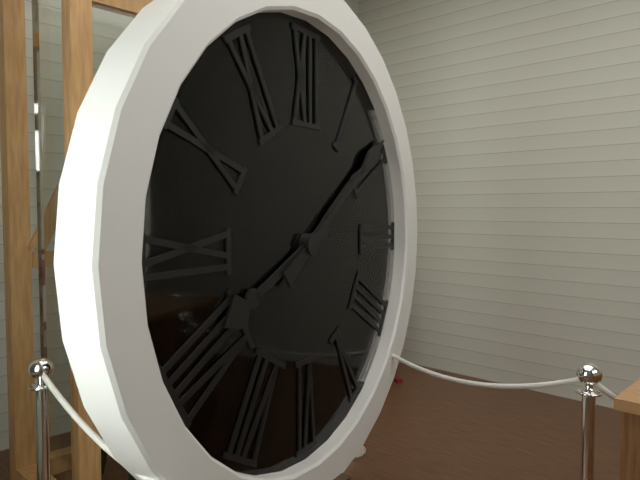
8:09
